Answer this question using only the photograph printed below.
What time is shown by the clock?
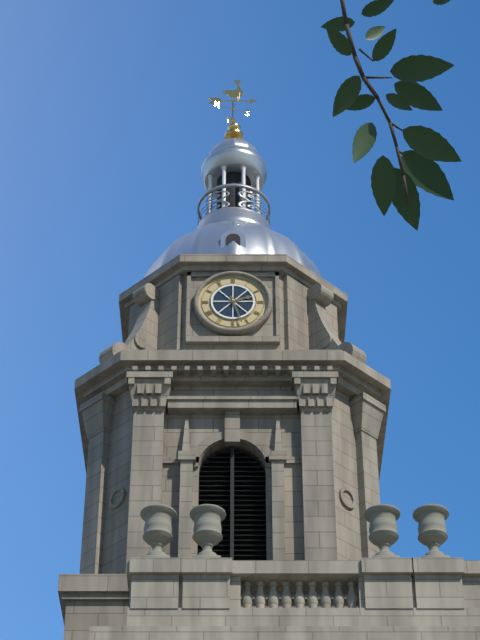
2:27
